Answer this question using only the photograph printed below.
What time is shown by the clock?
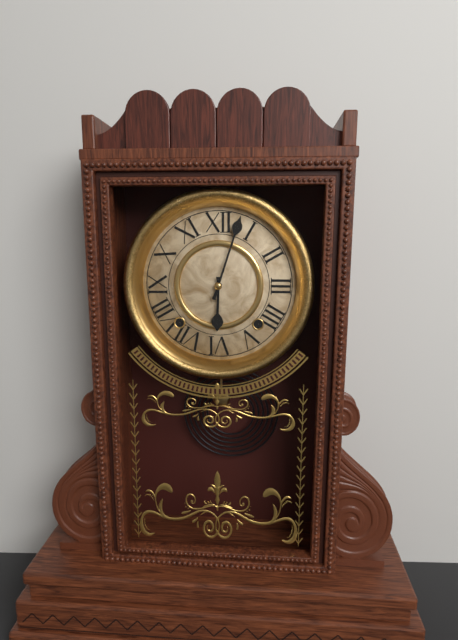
6:03
